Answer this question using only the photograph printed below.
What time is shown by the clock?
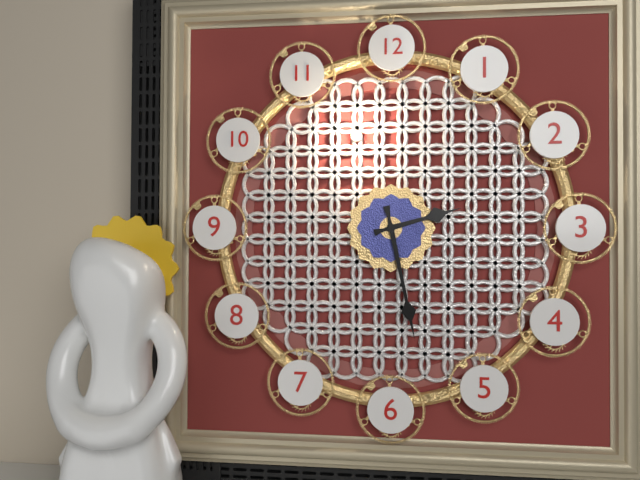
2:28
